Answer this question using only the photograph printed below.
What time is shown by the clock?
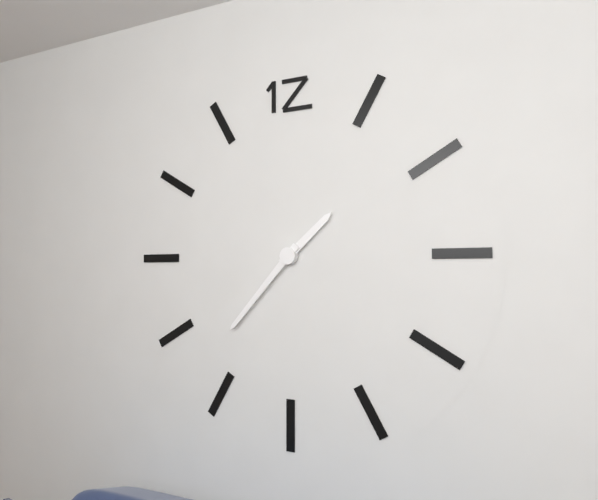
1:37
